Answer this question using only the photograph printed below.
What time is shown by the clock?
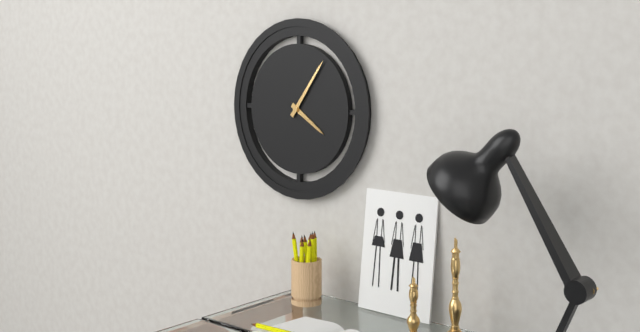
4:06
